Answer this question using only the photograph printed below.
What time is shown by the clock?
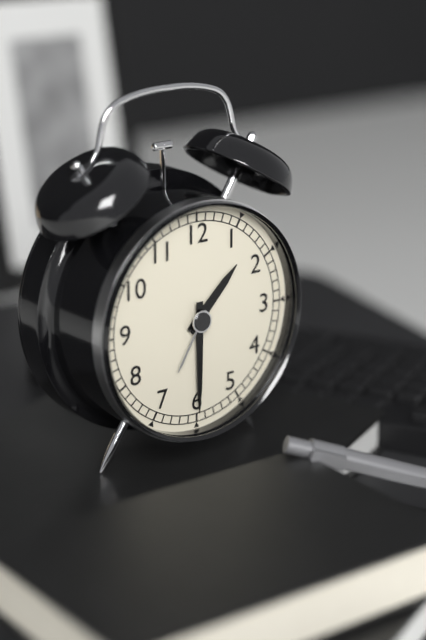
1:30
